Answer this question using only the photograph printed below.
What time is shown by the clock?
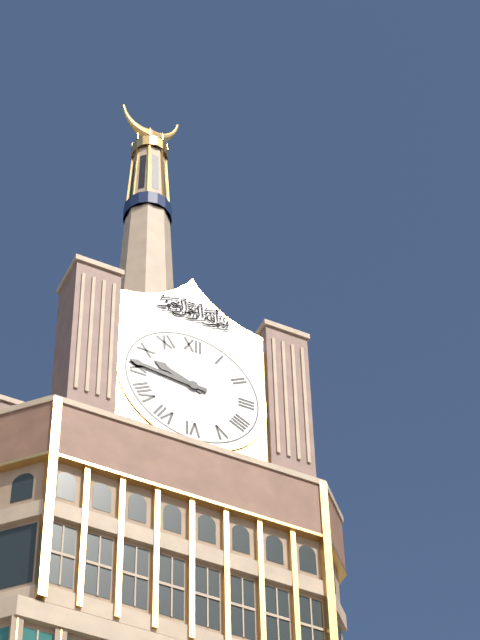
9:46
